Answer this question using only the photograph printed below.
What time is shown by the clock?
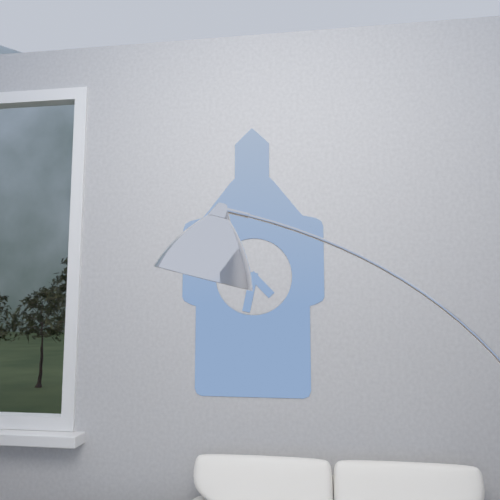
4:32
